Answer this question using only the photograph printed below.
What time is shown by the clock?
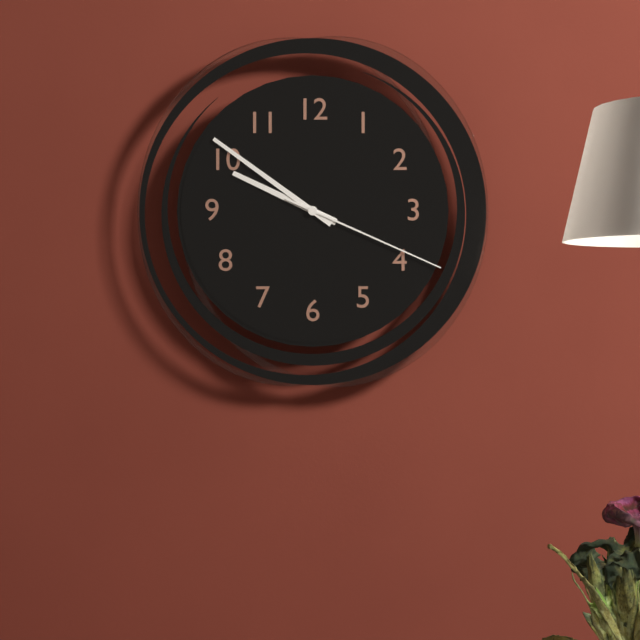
9:51:19
